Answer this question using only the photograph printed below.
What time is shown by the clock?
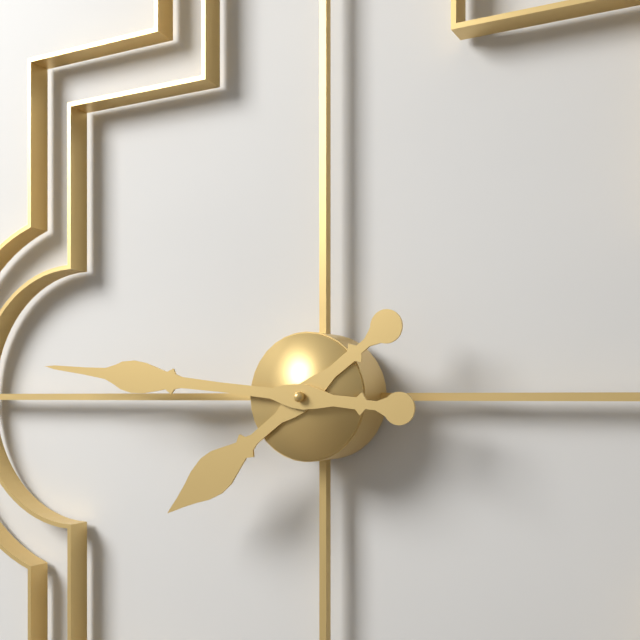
7:46
